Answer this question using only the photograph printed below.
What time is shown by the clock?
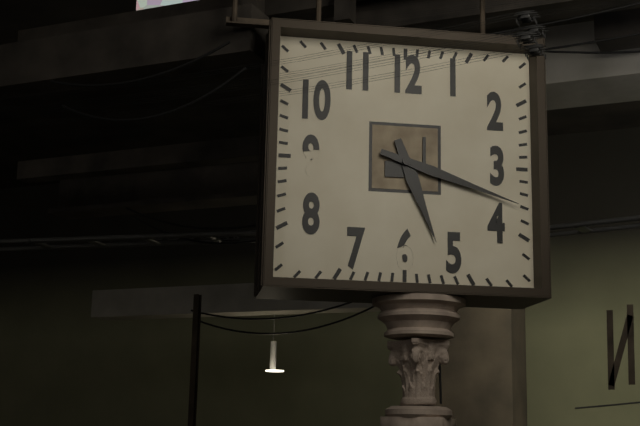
5:18
